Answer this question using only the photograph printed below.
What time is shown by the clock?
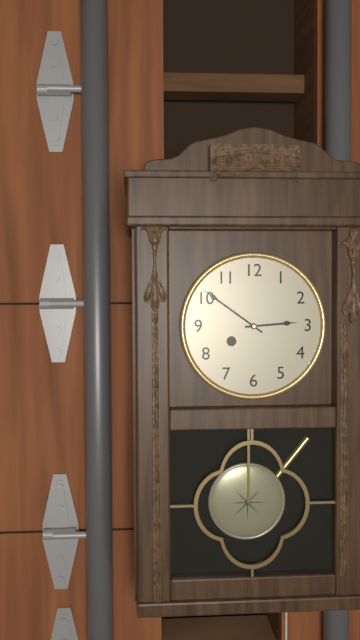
2:51
